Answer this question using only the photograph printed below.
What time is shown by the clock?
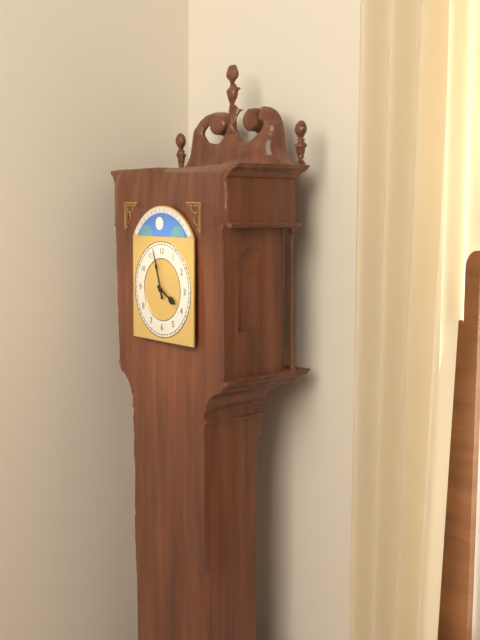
3:57
